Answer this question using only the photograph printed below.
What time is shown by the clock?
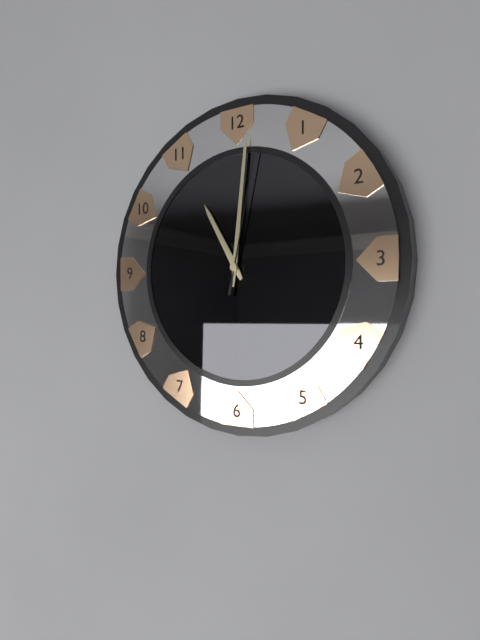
11:01:02
